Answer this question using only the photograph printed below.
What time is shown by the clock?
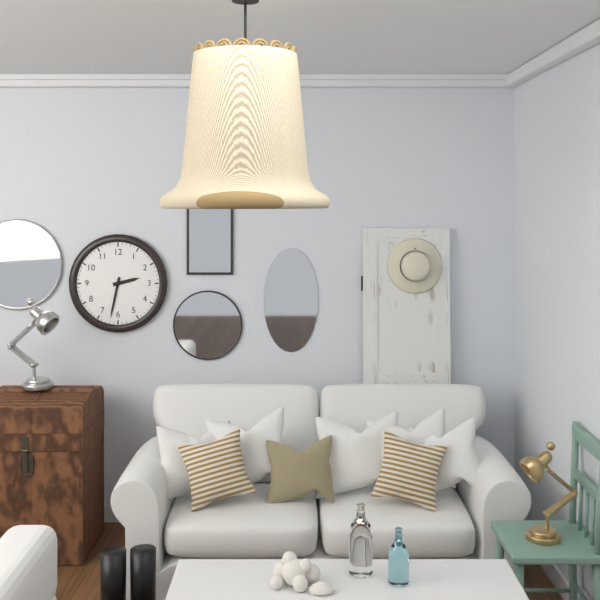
2:32
